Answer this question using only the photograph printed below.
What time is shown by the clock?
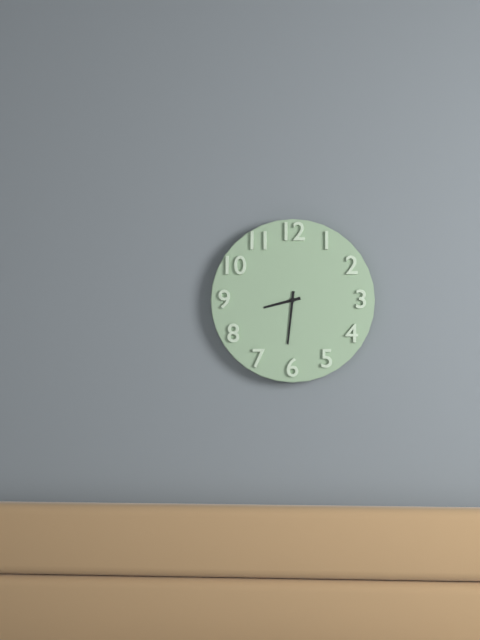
8:31
